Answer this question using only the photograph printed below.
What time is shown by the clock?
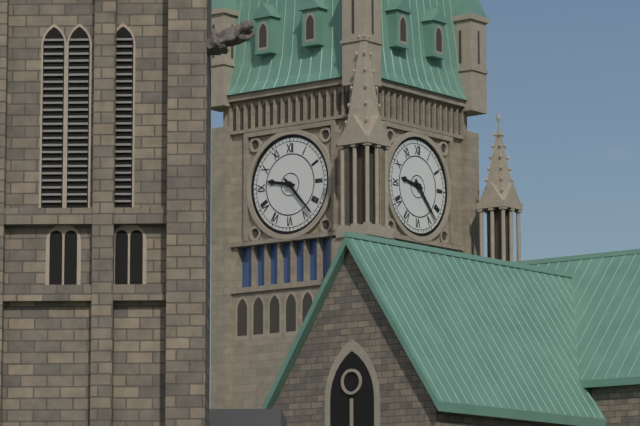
9:23
